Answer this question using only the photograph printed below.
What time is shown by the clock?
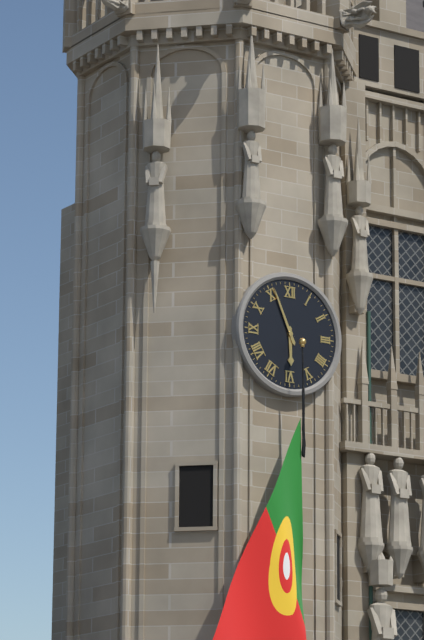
5:56
